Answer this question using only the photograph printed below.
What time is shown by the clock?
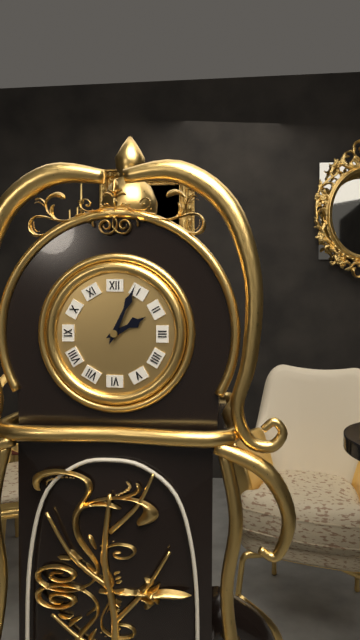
2:04
